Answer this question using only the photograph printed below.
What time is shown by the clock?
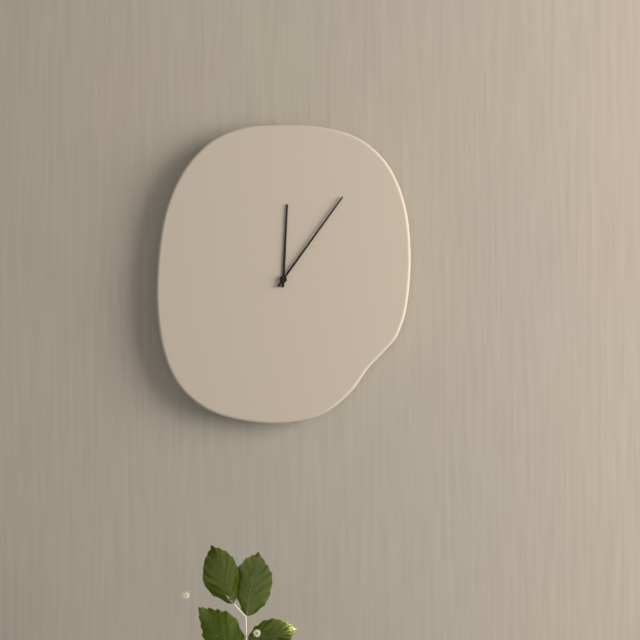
12:06
